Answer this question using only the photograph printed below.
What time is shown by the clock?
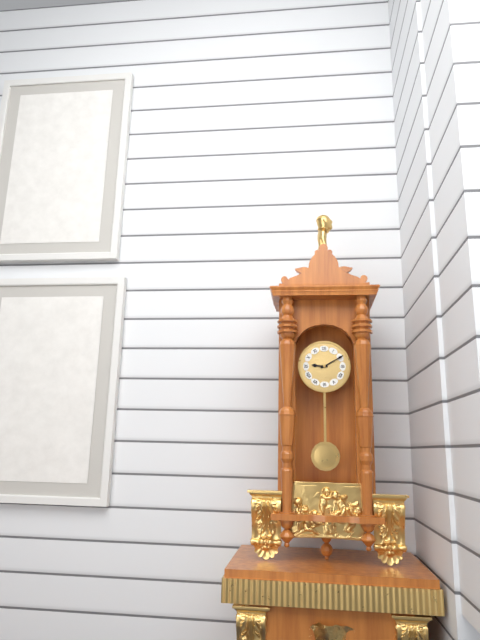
9:10
